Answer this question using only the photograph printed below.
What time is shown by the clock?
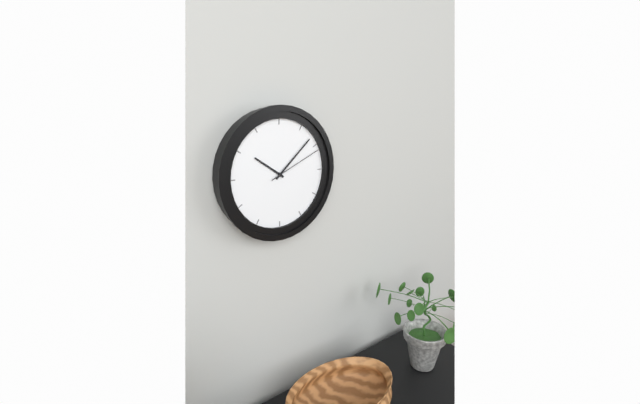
10:08:11
